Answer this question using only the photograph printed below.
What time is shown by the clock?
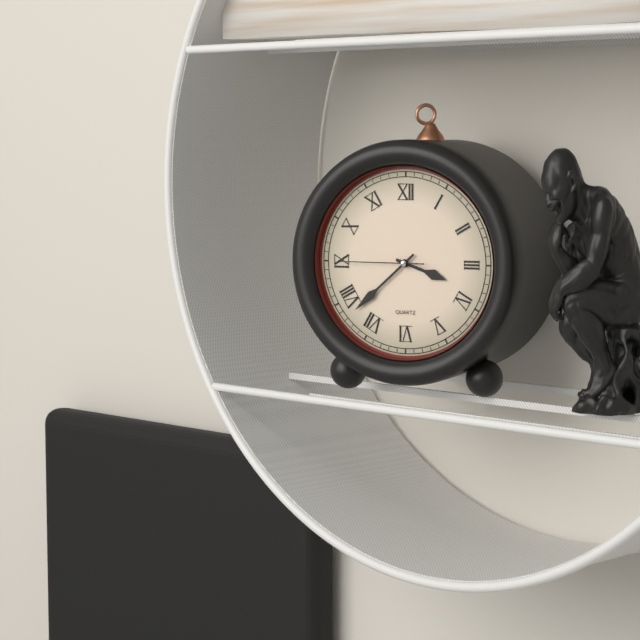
3:38:45
